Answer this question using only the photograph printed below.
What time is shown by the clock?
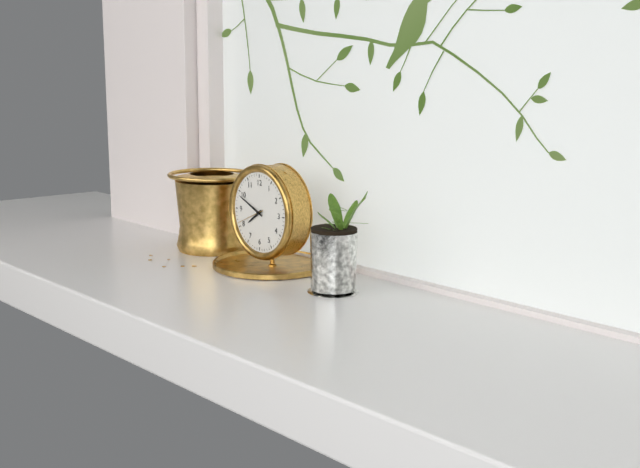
7:49
